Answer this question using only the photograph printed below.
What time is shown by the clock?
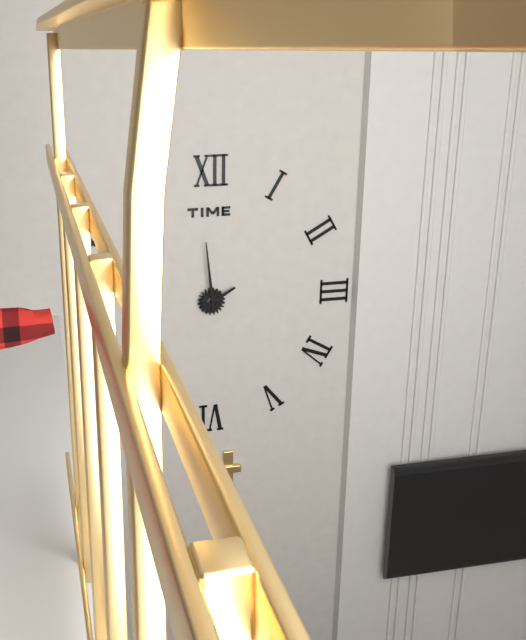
1:59
